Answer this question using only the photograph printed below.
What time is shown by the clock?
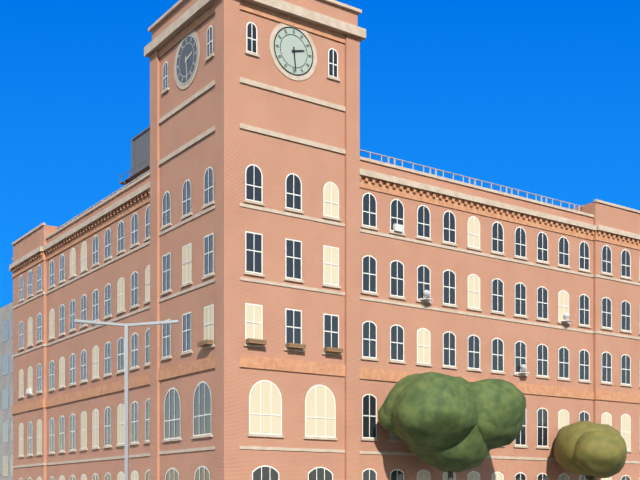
2:29
